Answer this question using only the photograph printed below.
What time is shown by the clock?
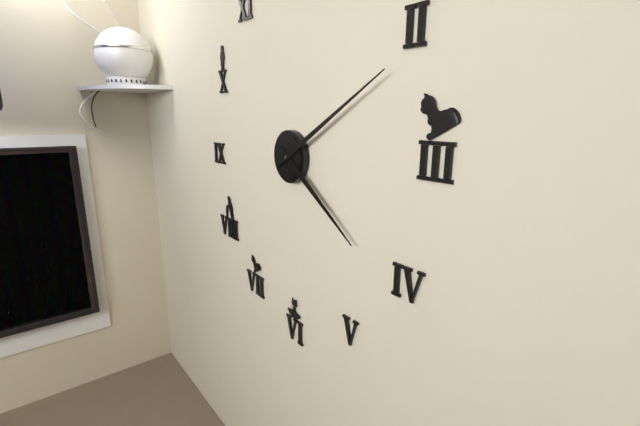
4:10
